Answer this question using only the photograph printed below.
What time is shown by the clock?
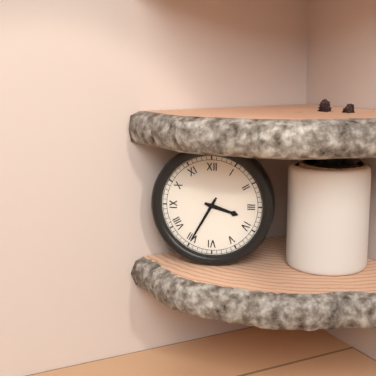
3:35
